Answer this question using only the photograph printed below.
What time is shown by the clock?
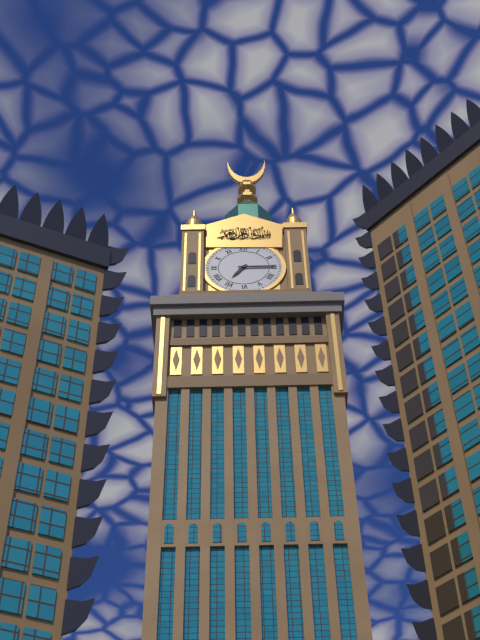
7:15
